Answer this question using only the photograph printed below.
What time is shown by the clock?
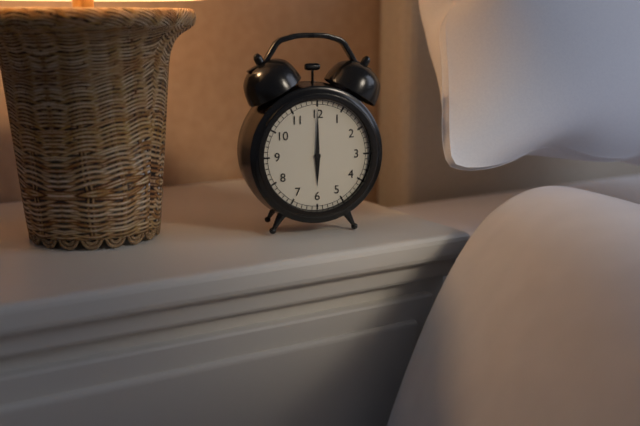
6:00
